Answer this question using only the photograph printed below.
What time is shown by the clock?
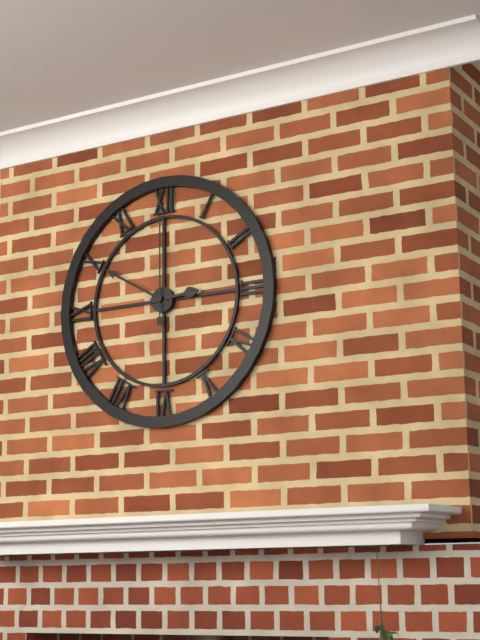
2:50:00
